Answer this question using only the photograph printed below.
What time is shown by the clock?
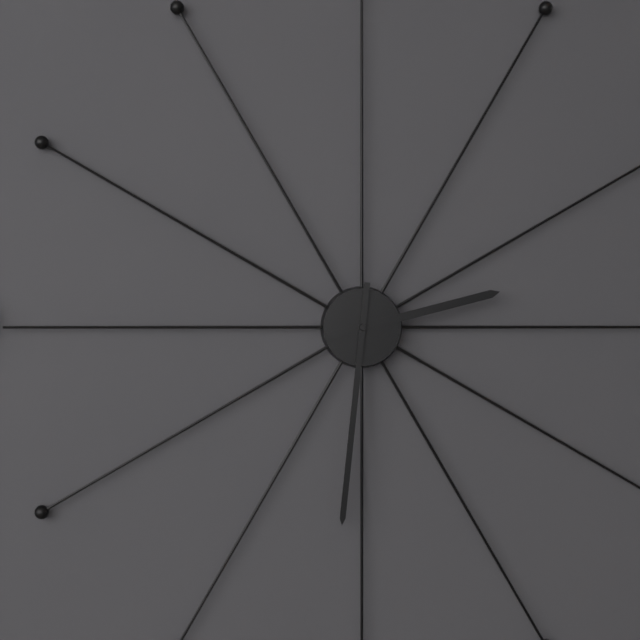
2:31
